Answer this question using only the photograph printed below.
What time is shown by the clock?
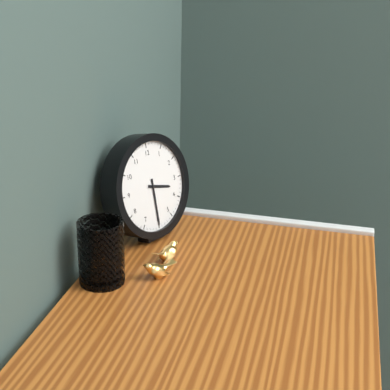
3:30
